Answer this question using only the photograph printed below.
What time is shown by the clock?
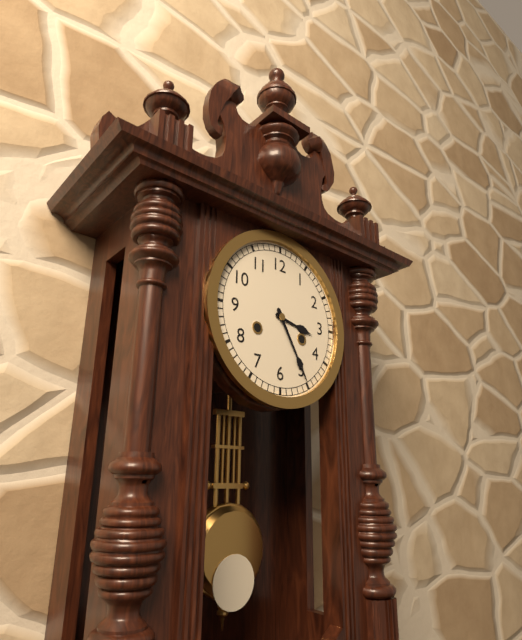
3:25
